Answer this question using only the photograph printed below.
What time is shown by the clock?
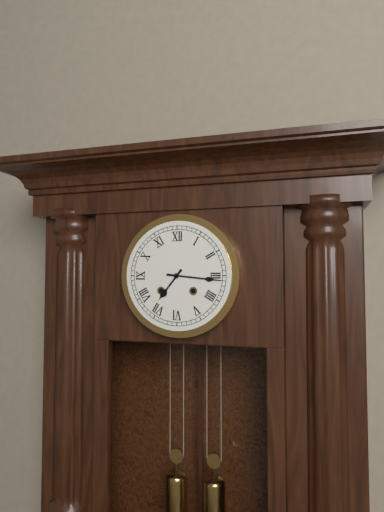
7:16
